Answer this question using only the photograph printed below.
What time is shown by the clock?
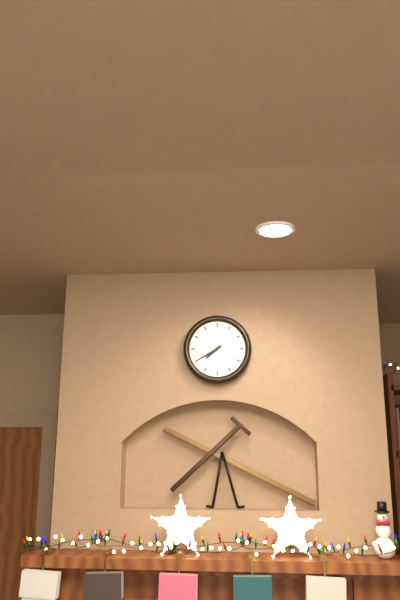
7:40
